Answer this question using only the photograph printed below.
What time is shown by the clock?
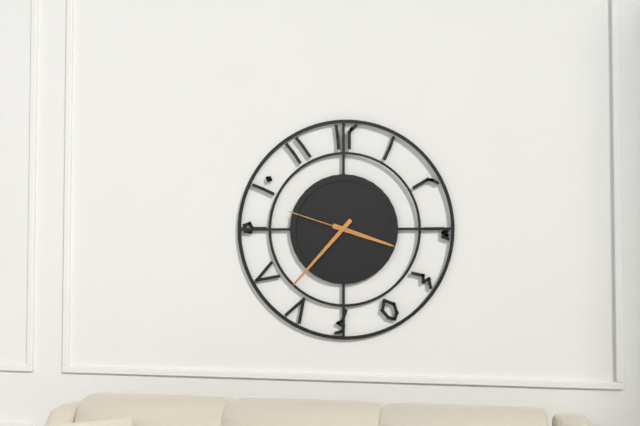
3:37:48
